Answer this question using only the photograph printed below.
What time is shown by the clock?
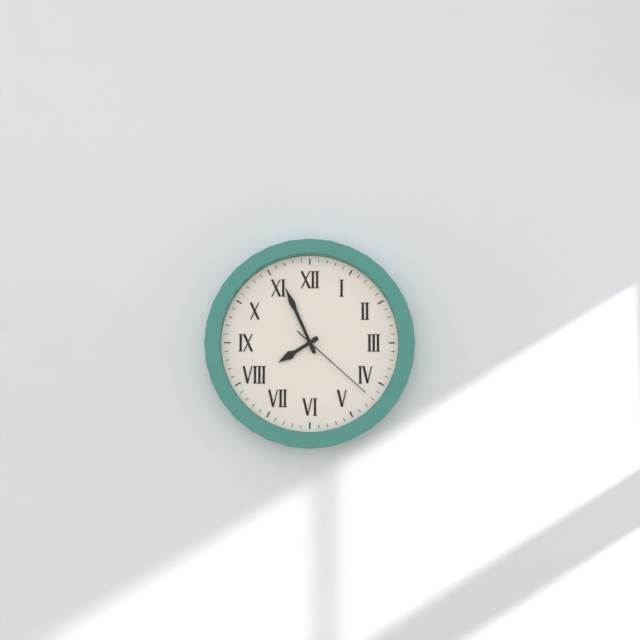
7:56:22
